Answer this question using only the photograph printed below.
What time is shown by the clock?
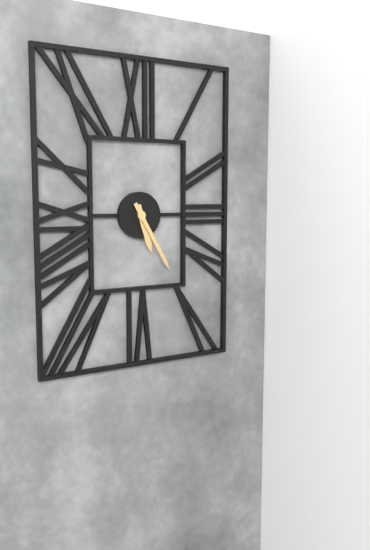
5:25
